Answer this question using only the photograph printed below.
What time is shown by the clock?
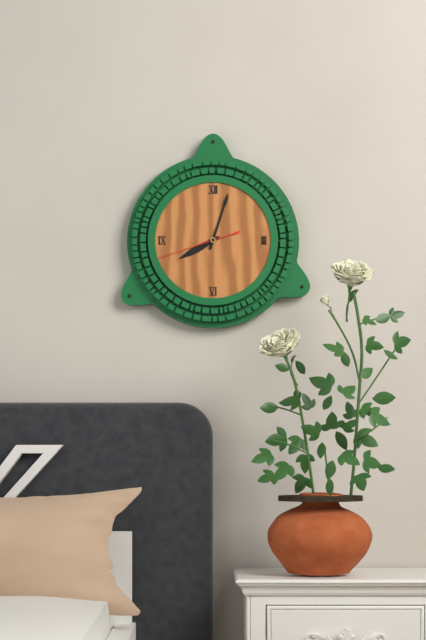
8:03:42
